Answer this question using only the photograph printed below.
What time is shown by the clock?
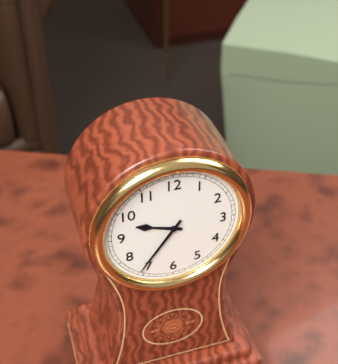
9:36
